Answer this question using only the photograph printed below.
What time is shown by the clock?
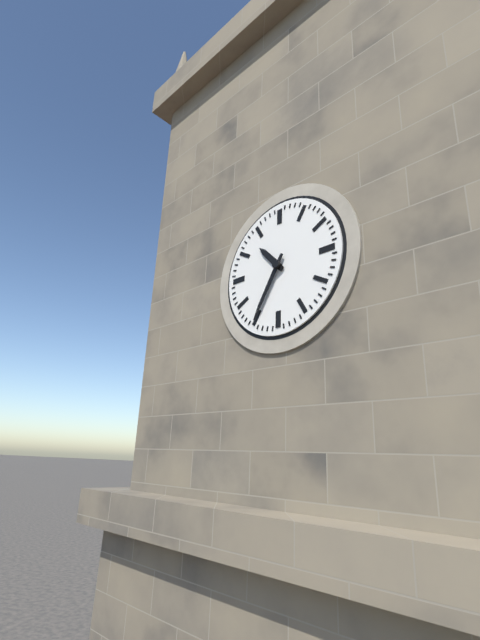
10:35
